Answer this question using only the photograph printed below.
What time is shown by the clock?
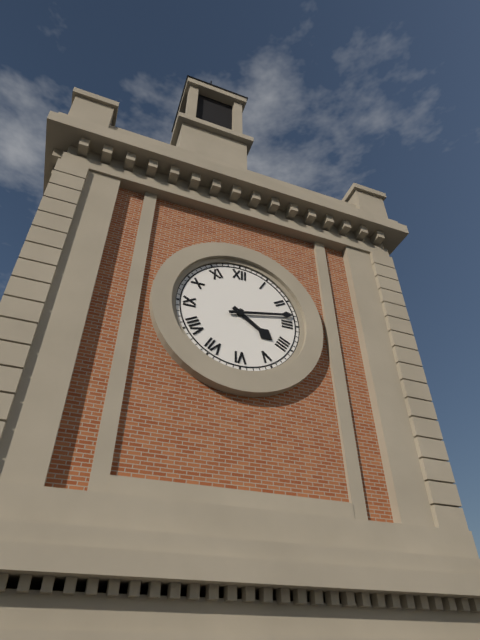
4:13
